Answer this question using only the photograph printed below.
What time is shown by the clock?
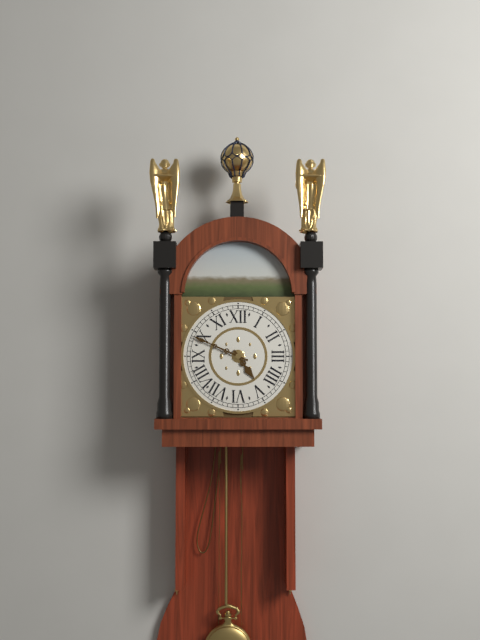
4:49
